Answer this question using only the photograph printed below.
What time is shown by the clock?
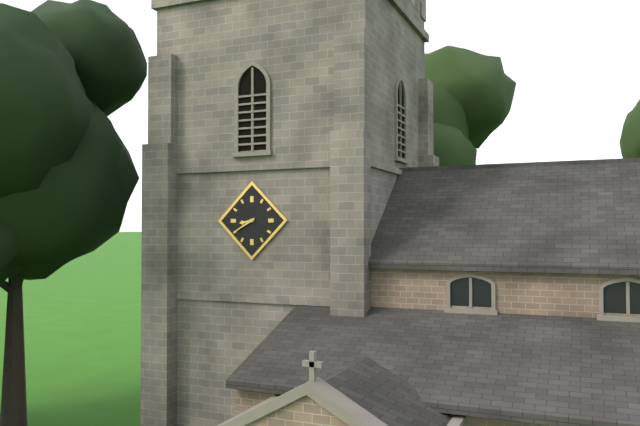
8:40
